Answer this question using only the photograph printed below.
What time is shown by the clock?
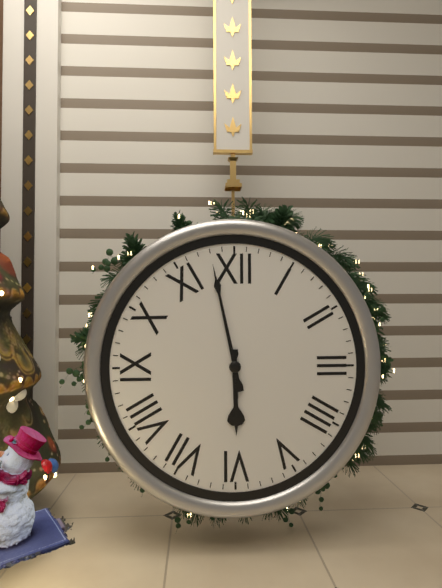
5:58
